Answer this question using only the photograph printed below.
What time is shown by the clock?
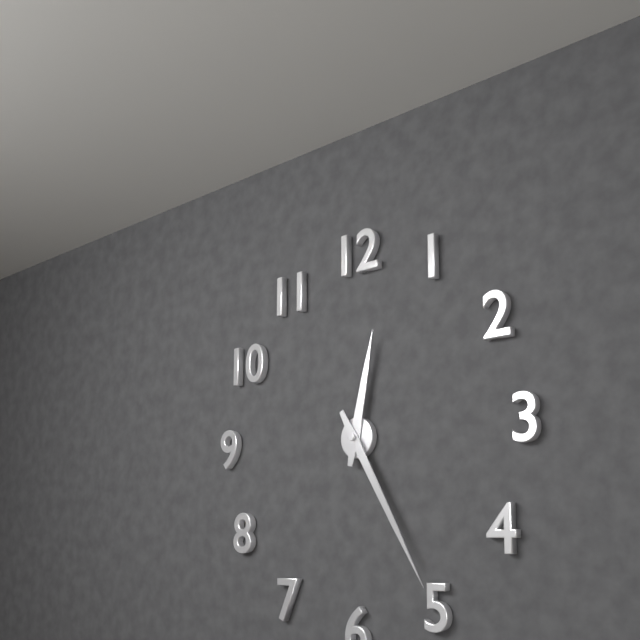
12:25
